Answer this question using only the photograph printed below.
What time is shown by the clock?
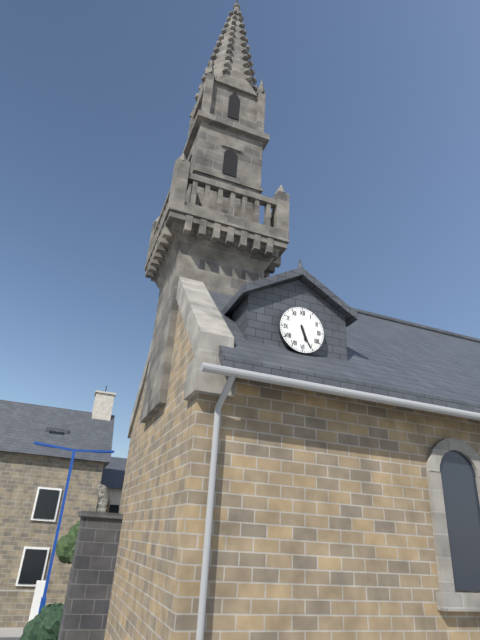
5:26
